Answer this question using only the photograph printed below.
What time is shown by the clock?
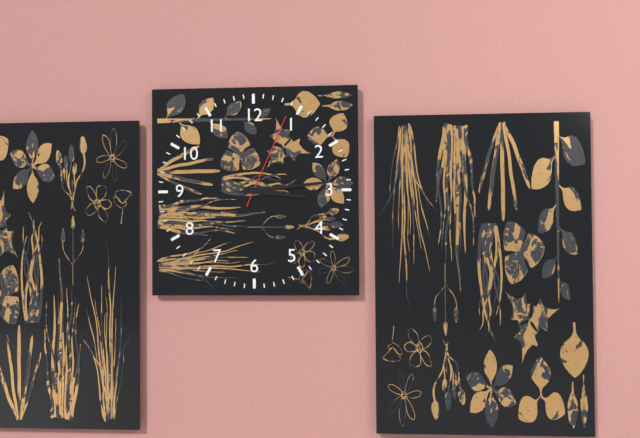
3:14:04
